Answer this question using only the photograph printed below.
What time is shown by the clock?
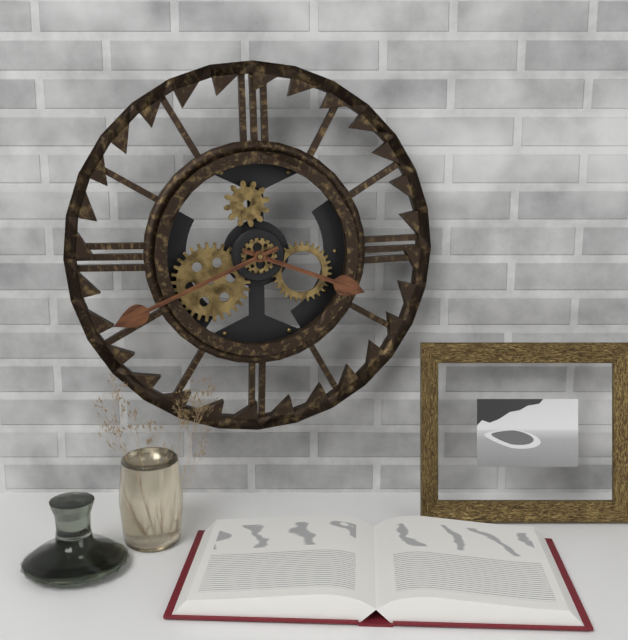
3:41
